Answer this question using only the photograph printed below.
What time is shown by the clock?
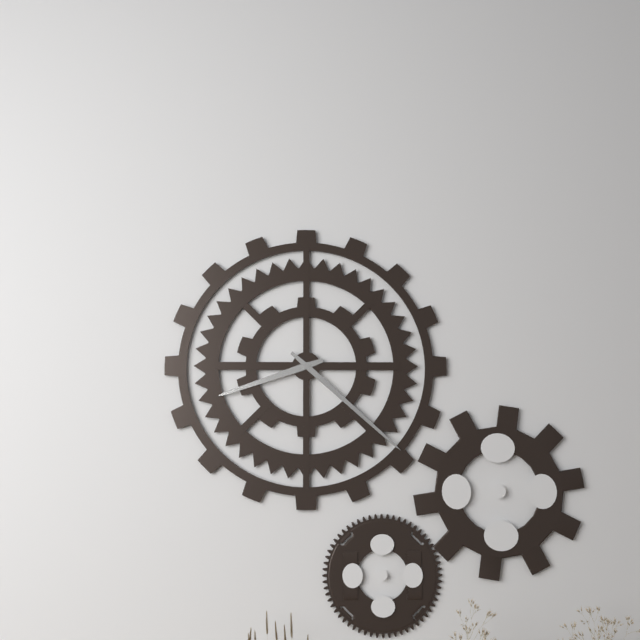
8:22
